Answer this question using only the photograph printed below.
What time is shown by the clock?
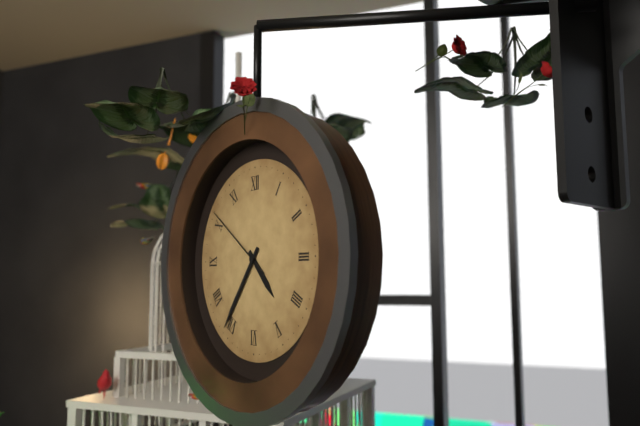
4:36:51
